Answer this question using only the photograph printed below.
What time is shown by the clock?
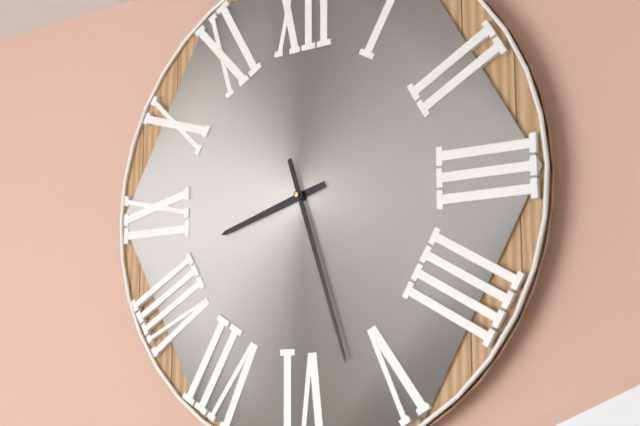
8:27
